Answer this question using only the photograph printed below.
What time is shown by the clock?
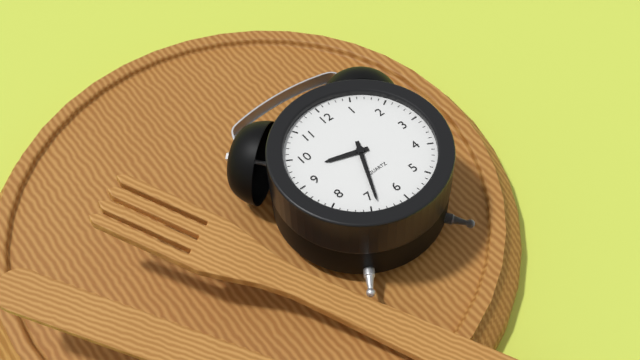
9:34
